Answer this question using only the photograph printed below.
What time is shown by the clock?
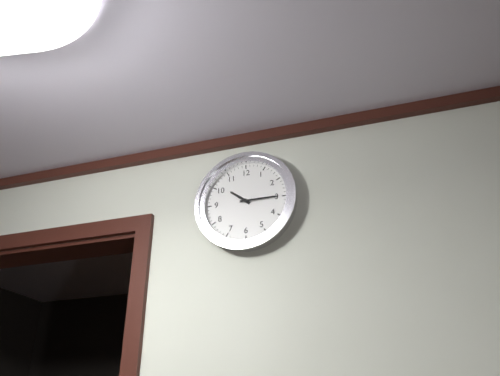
10:15
